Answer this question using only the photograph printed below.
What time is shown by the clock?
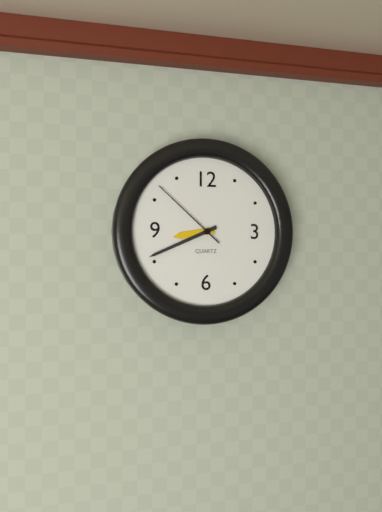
8:41:52
